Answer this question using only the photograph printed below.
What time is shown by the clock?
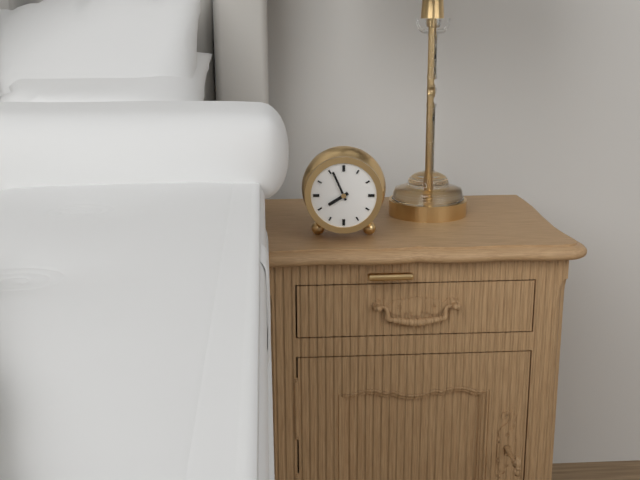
7:56
